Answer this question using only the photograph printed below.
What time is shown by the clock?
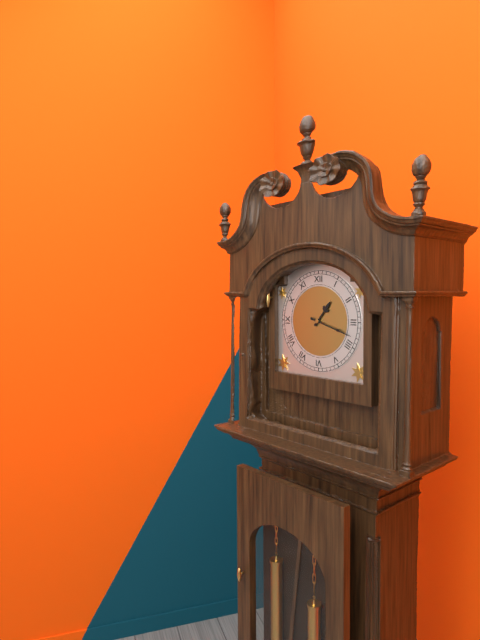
1:18
